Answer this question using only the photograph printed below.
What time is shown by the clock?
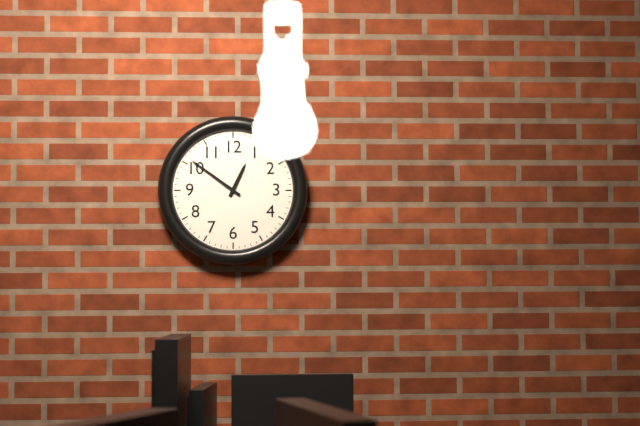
12:51
